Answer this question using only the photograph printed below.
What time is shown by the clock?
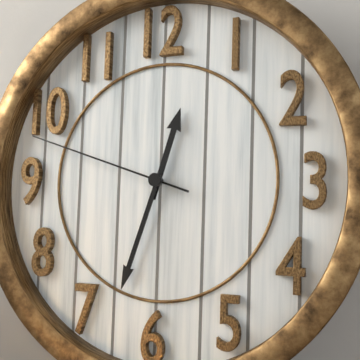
12:33:48
